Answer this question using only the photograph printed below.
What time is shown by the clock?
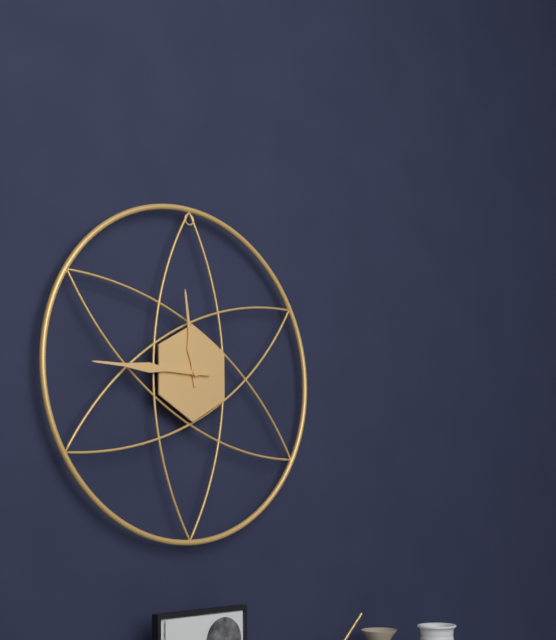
11:45
